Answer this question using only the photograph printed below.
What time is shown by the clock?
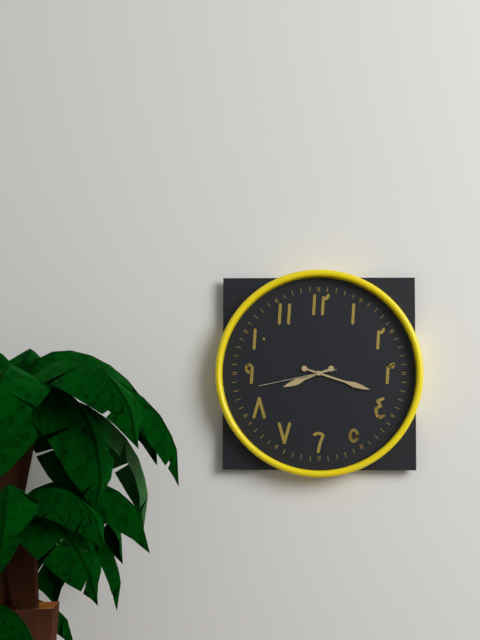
8:18:43
